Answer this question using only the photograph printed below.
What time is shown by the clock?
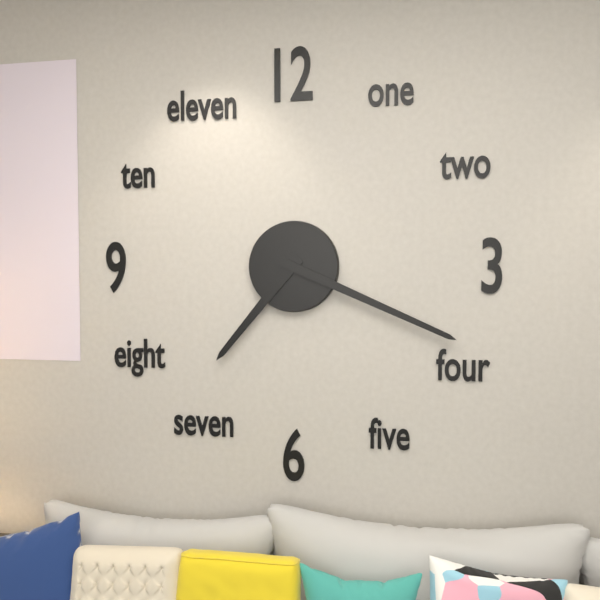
7:19
